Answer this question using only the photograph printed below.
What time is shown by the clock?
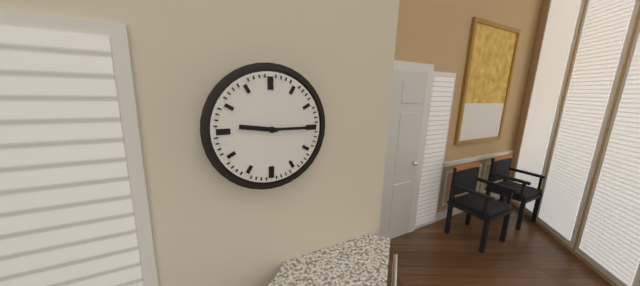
9:15
